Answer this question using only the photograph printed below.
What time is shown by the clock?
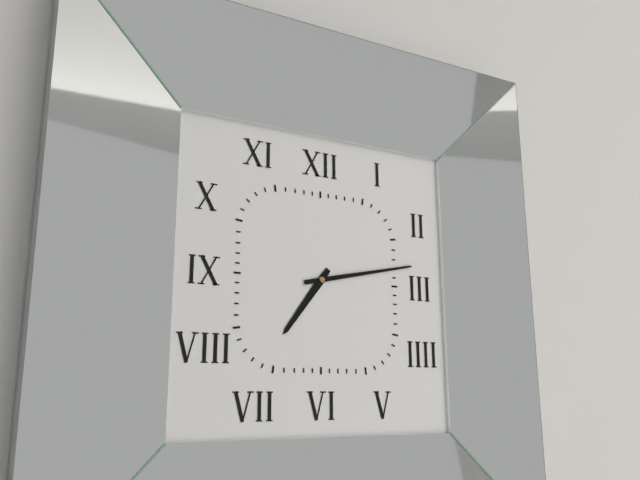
7:13
